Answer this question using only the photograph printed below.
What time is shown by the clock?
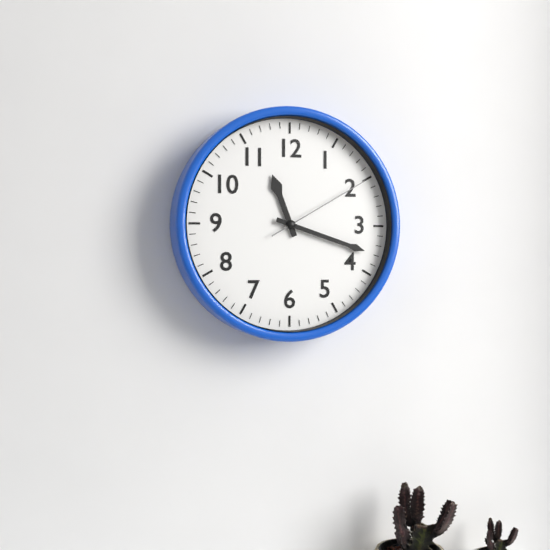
11:18:10
